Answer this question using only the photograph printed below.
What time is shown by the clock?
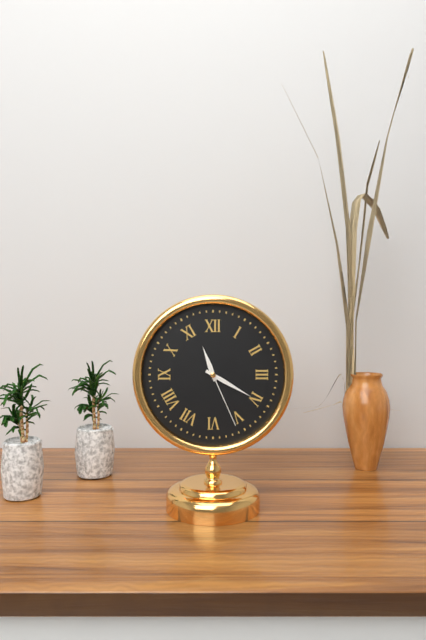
11:20:26
